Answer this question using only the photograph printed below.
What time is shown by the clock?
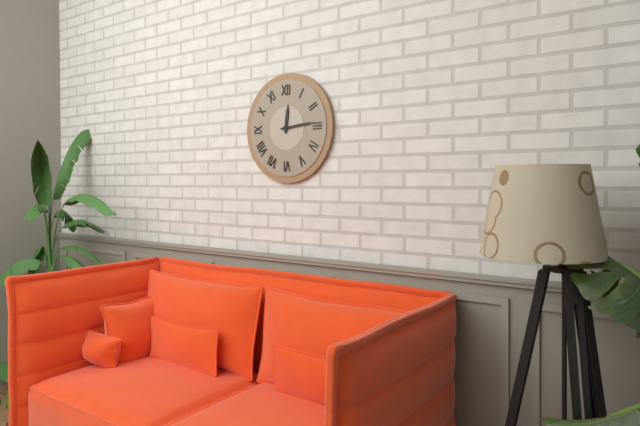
12:14
